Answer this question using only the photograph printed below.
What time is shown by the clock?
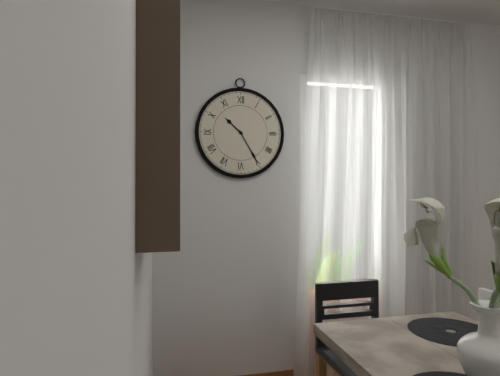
10:25
